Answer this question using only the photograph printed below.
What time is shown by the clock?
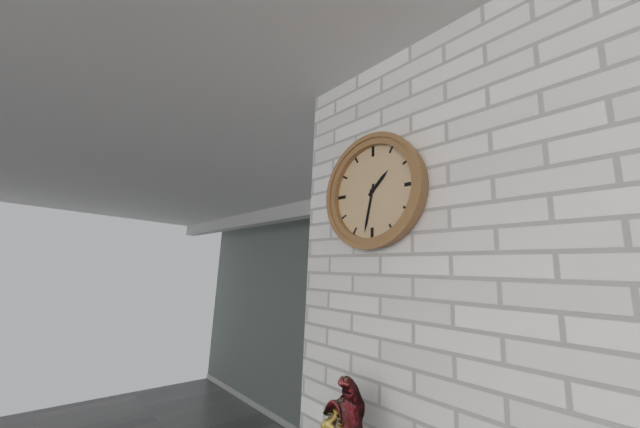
1:32
